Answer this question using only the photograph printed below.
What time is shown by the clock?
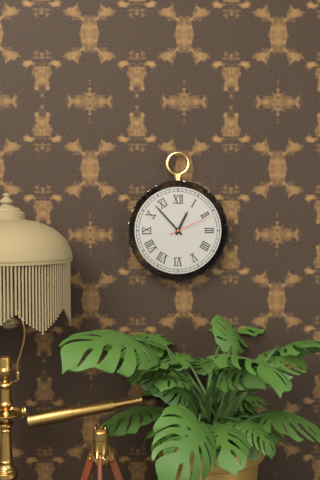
12:53
